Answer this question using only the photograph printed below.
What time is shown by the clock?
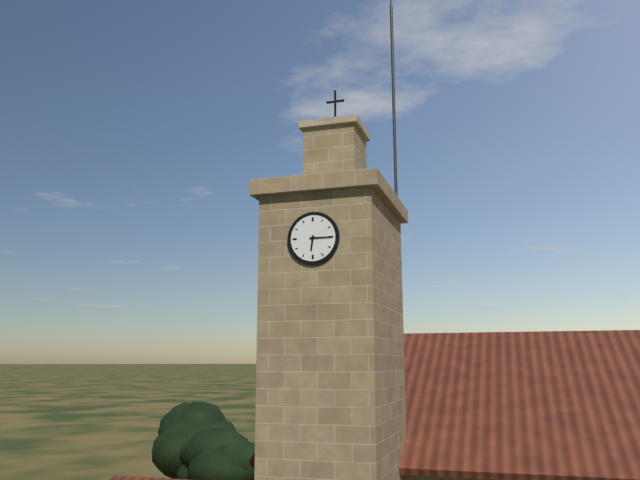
6:15
